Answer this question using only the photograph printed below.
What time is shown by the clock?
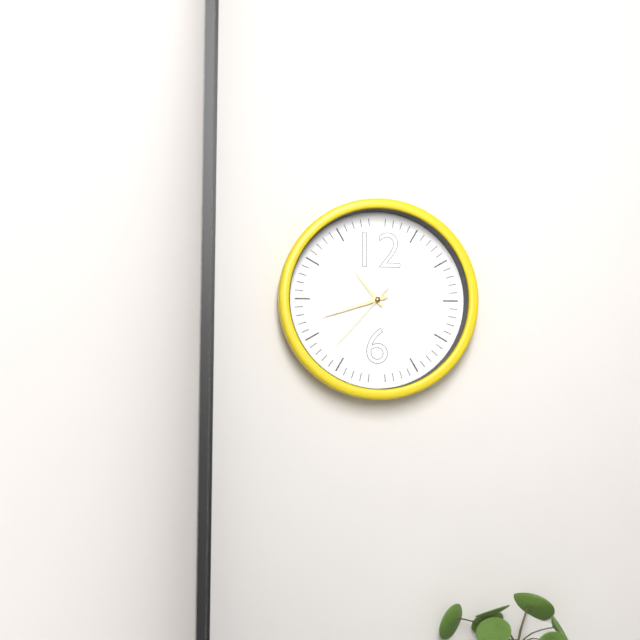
10:42:37
